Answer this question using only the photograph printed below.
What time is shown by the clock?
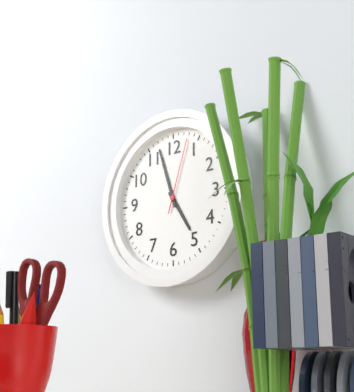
4:57:03
